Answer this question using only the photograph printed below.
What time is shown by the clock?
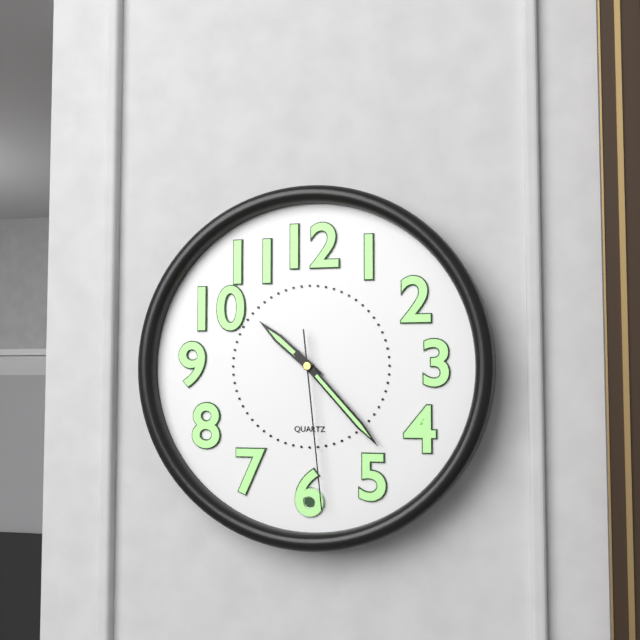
10:23:29
